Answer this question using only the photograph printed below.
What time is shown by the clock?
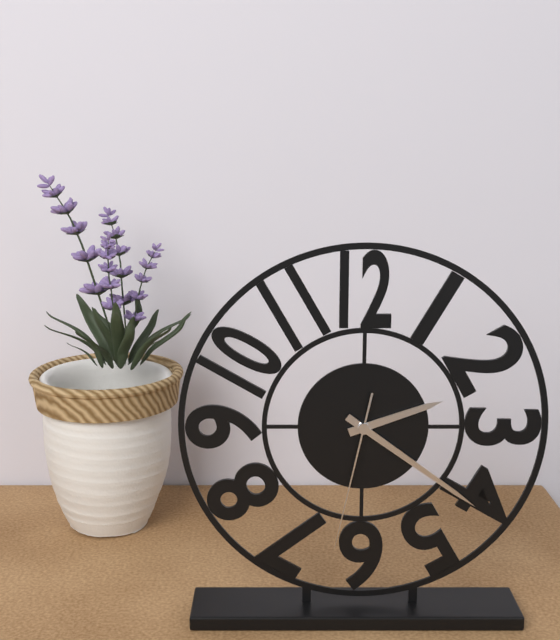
2:21:32
